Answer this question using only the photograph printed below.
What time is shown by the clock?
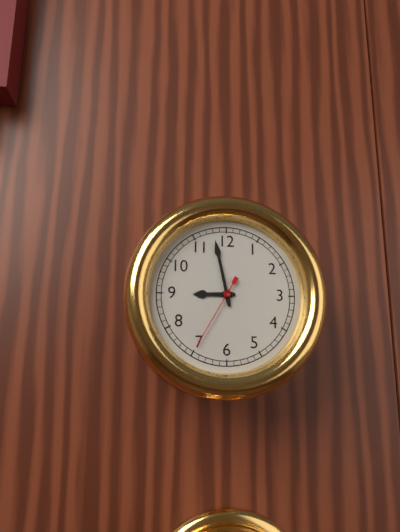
8:58:35
